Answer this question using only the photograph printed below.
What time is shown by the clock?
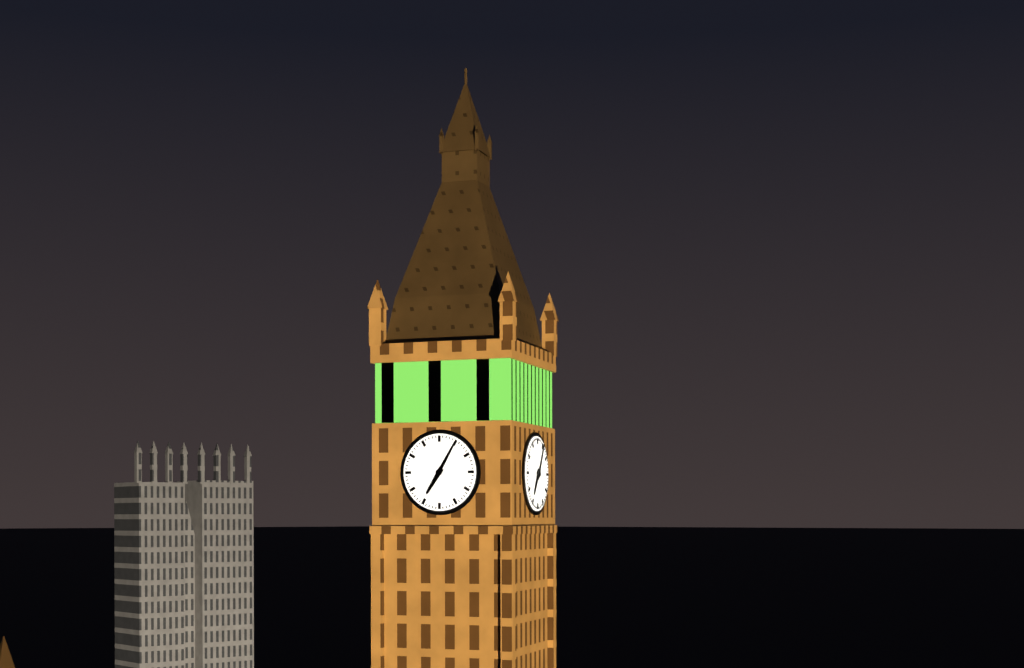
7:05
